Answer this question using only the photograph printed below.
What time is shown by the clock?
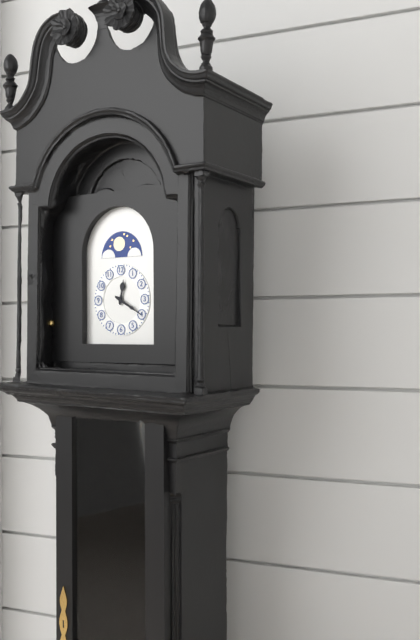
12:20
